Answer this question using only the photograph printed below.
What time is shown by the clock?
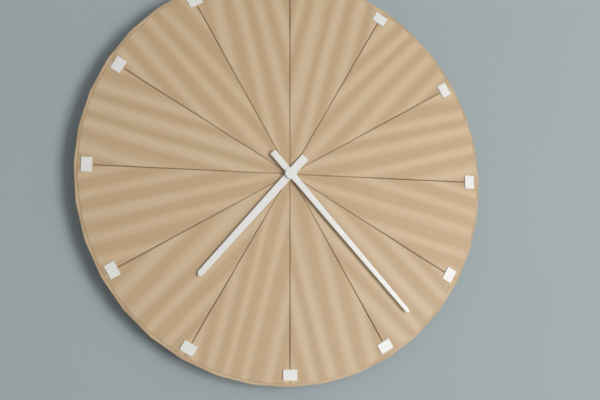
7:23
